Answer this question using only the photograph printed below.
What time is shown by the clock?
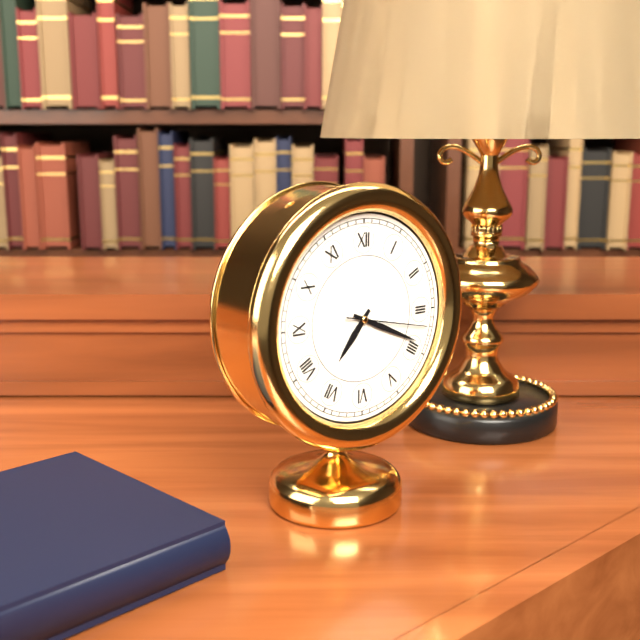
7:19:17
